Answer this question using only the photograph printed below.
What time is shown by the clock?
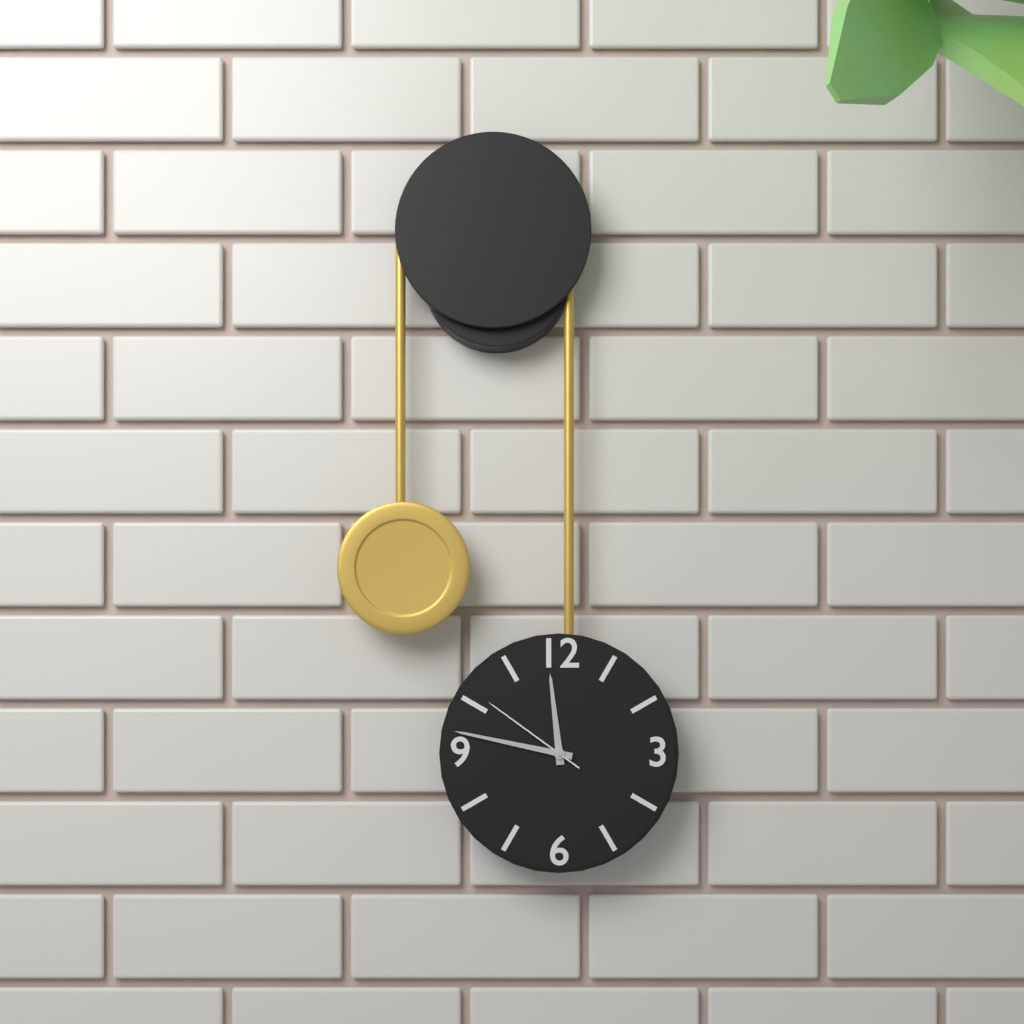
11:47:51
